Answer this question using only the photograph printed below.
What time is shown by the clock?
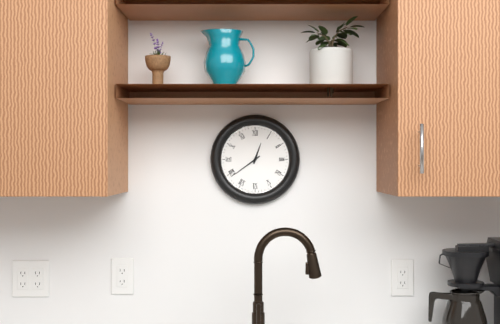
12:39
